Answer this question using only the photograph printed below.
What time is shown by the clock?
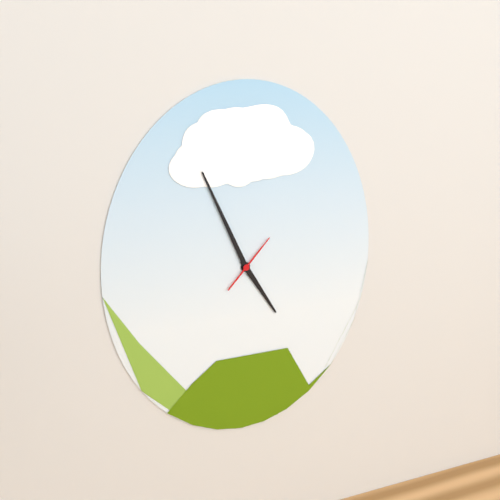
4:56
